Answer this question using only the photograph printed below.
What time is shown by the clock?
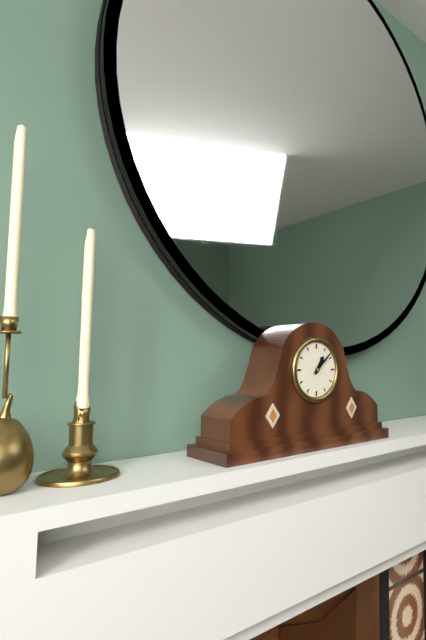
1:08
